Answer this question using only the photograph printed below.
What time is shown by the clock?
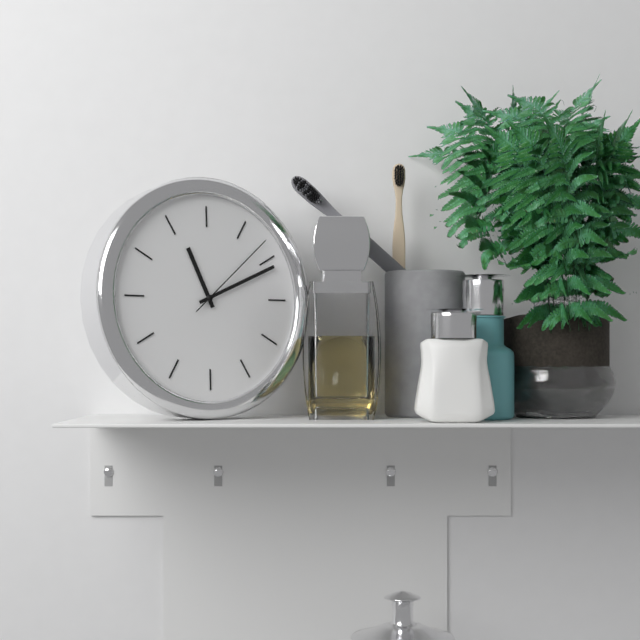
11:11:08
